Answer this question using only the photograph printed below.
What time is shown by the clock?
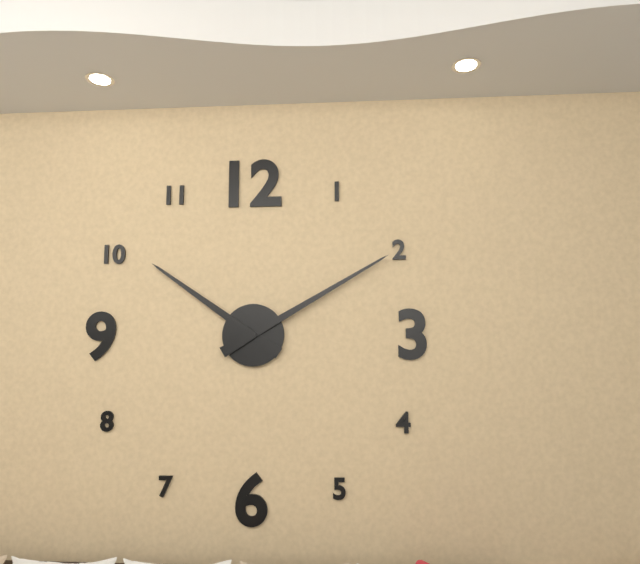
10:10
